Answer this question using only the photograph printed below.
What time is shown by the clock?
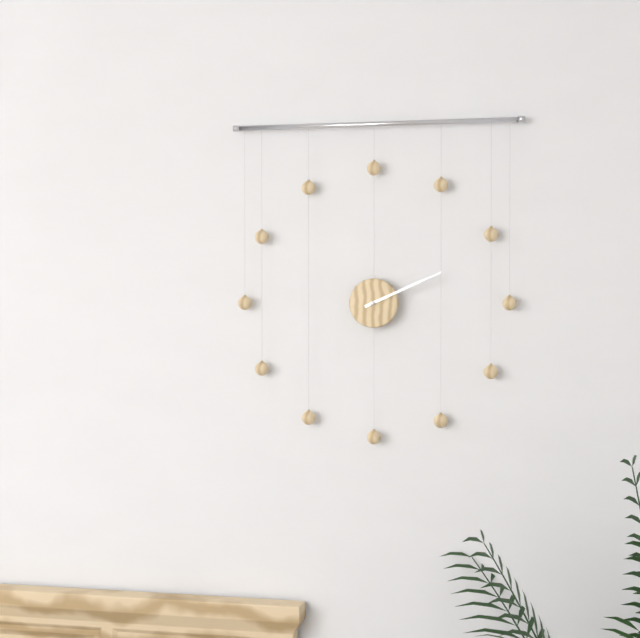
2:11
